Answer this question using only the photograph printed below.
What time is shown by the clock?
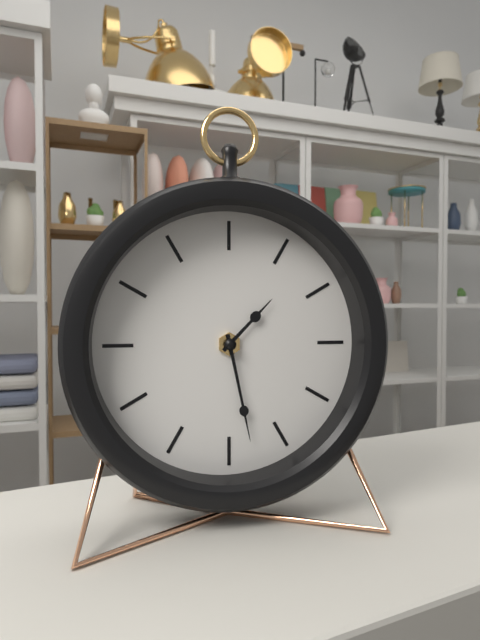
1:28
